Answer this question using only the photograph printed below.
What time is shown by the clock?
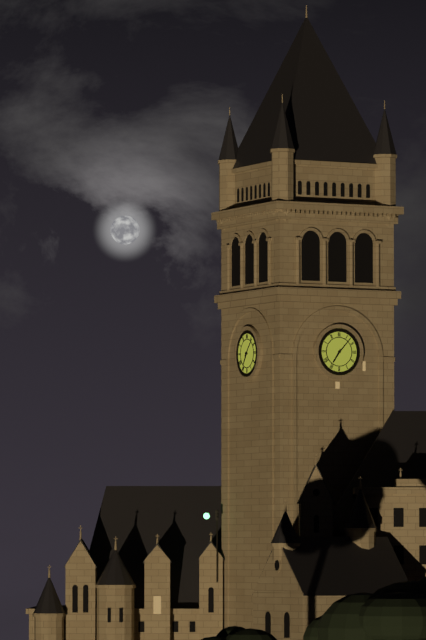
7:07
